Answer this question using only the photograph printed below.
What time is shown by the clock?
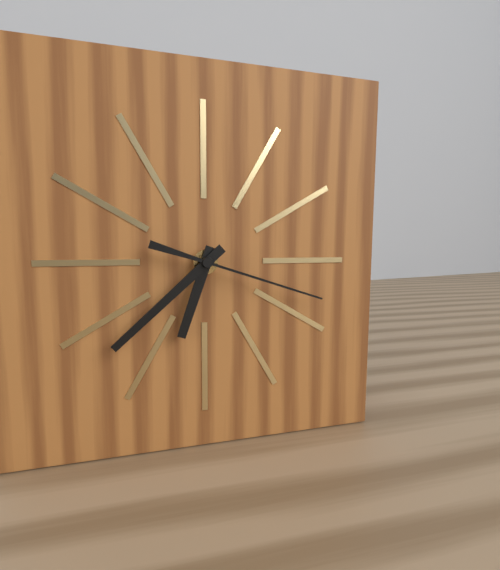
6:38:18
